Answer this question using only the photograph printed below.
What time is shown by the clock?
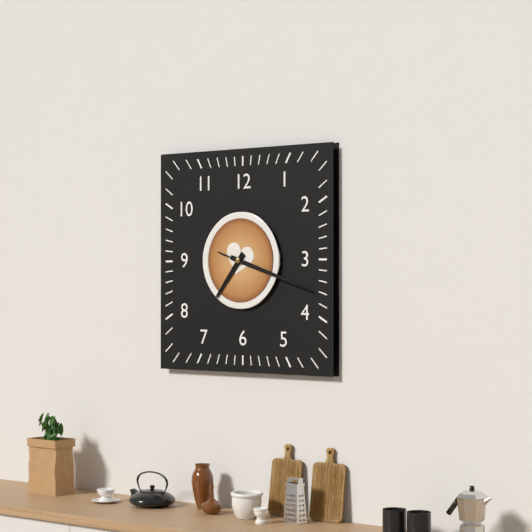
7:18:18
